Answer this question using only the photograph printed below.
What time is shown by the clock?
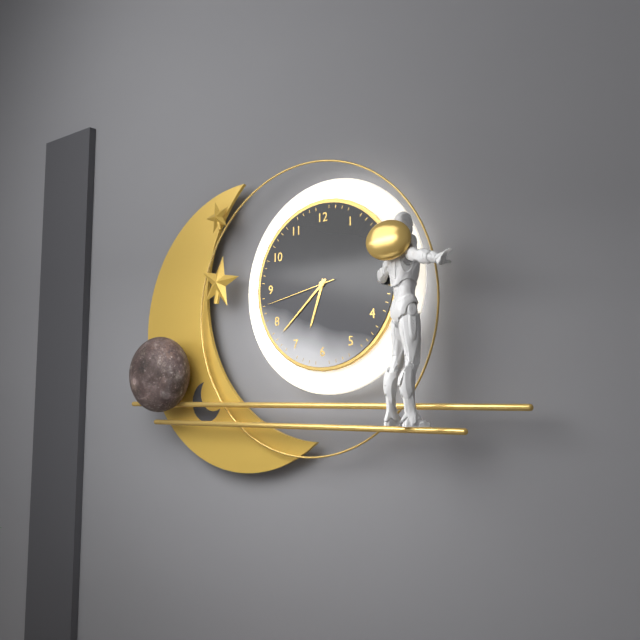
6:38:43
